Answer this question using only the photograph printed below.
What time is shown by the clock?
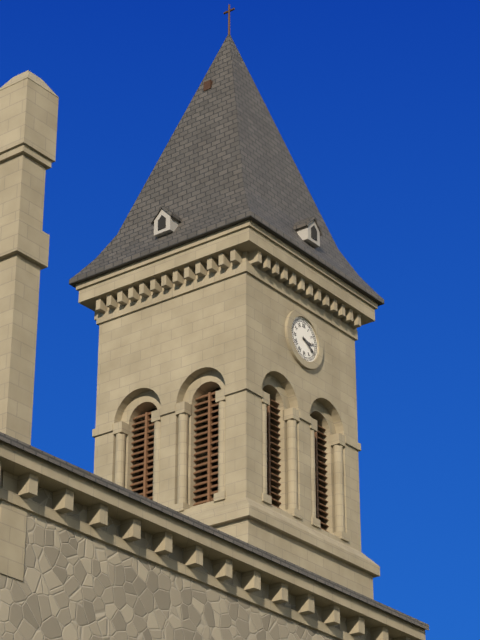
3:20
